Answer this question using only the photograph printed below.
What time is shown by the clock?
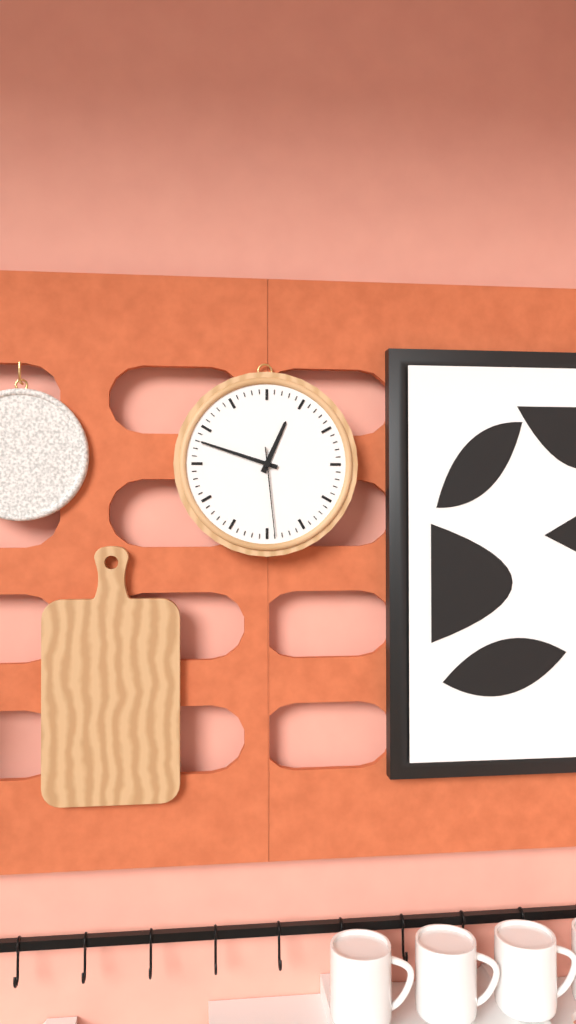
12:48:29
